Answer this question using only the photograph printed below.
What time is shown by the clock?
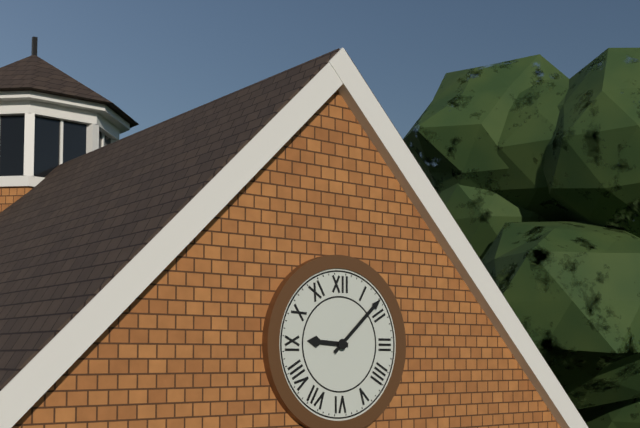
9:08
